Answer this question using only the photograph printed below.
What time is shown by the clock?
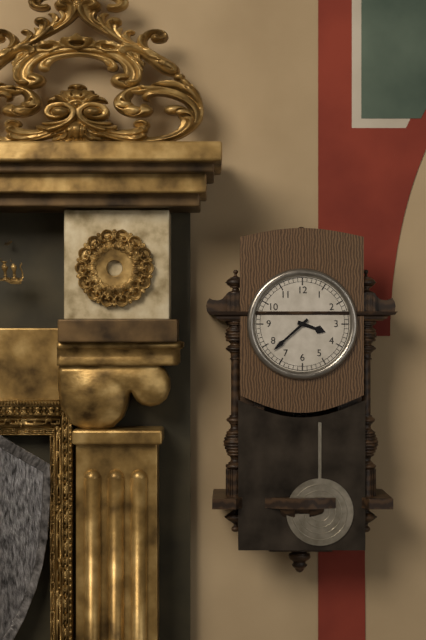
3:38
